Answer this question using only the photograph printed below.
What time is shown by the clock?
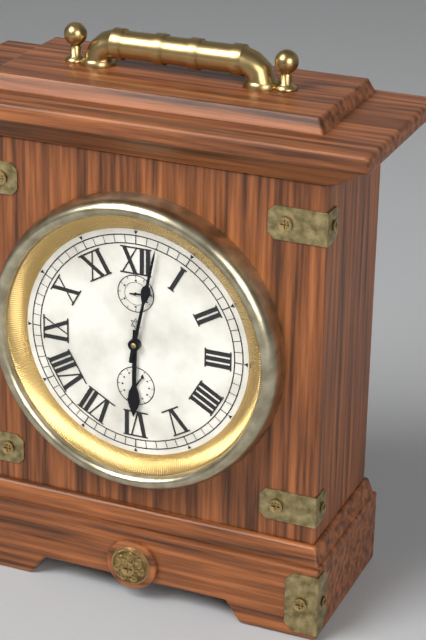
6:02
